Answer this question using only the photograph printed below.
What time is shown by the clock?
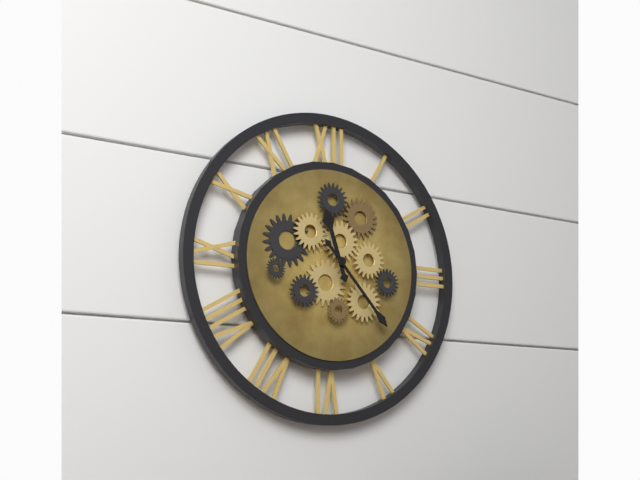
11:23
